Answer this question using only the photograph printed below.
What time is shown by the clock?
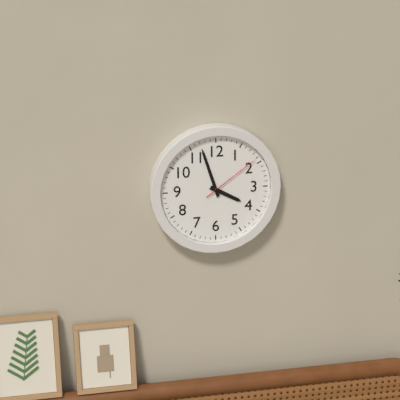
3:57:09
